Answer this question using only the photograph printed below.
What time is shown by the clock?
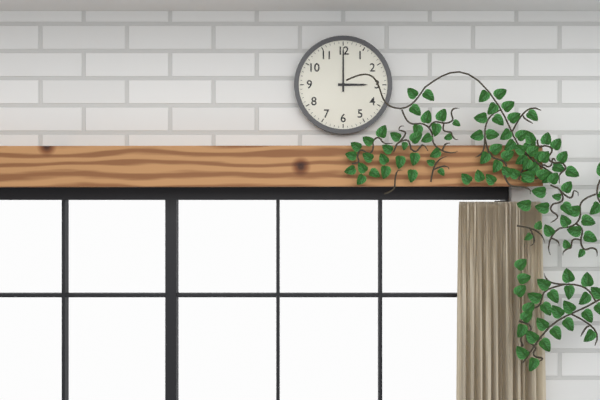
3:00
